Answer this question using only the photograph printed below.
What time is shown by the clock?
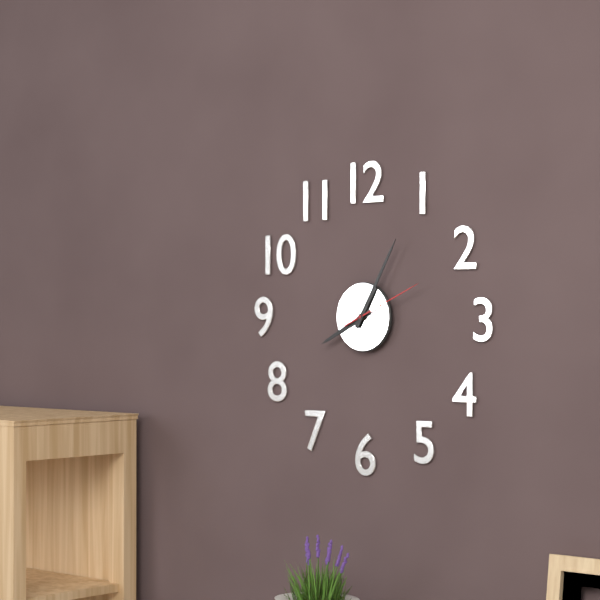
8:05:11
